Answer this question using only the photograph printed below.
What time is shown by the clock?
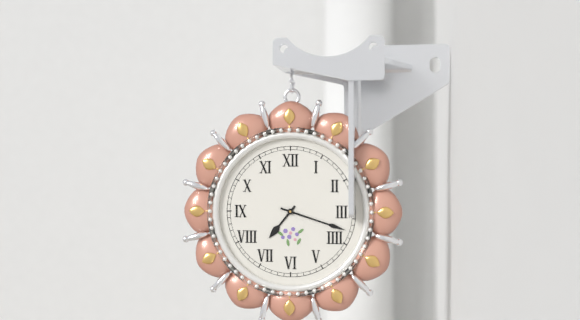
7:18
